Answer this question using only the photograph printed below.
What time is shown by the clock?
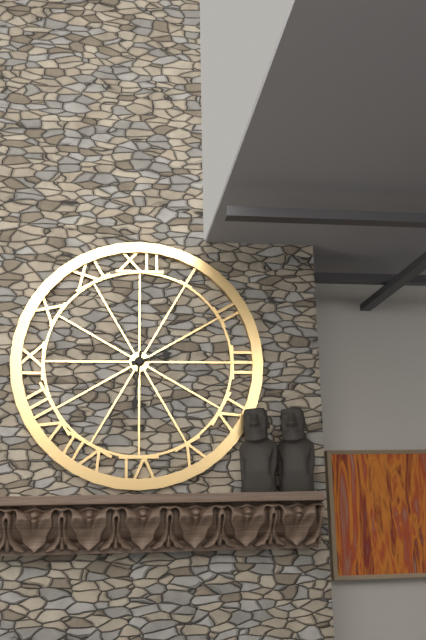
2:31
